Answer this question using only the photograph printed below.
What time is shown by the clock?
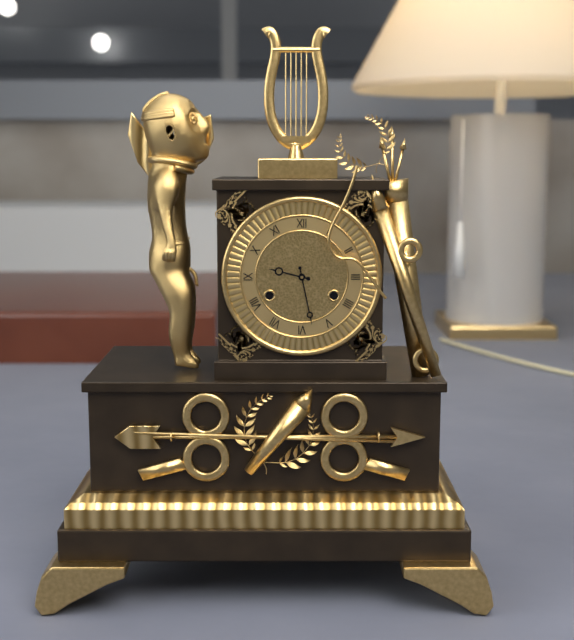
9:28
